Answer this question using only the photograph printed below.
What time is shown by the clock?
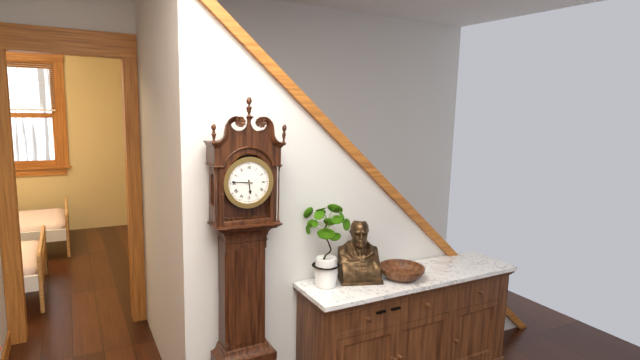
5:46
